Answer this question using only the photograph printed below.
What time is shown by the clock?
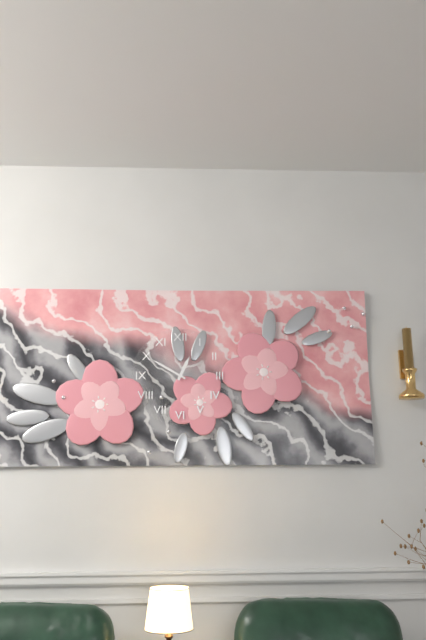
12:50
